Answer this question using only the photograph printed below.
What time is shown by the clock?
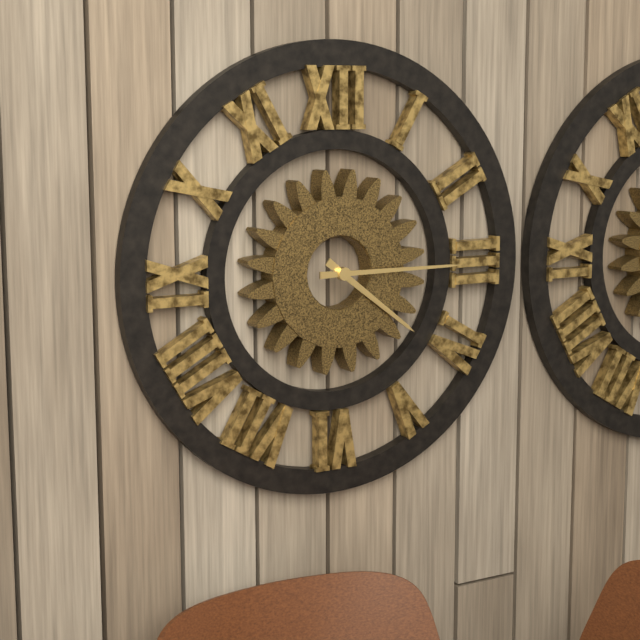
4:15
